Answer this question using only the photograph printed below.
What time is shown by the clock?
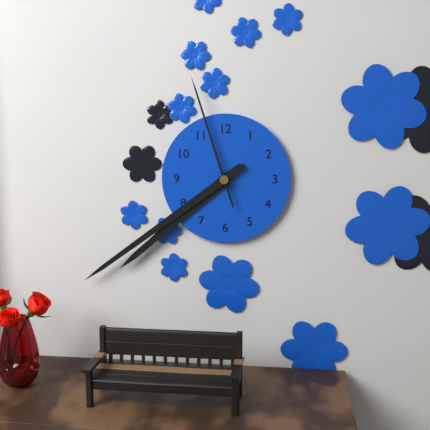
7:39:57
